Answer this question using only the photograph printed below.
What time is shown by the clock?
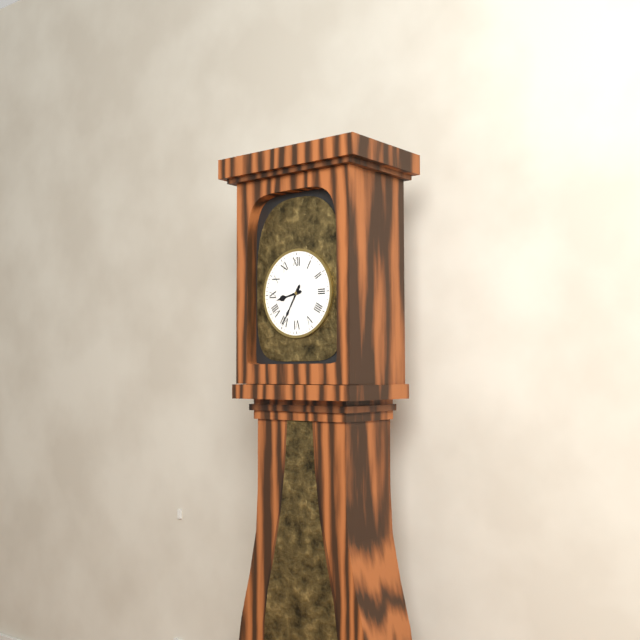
8:35
